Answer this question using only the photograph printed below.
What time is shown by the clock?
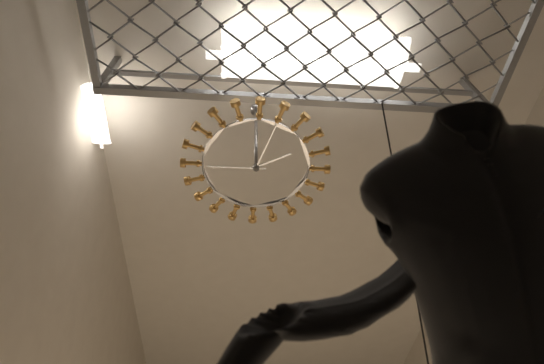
2:03:45
